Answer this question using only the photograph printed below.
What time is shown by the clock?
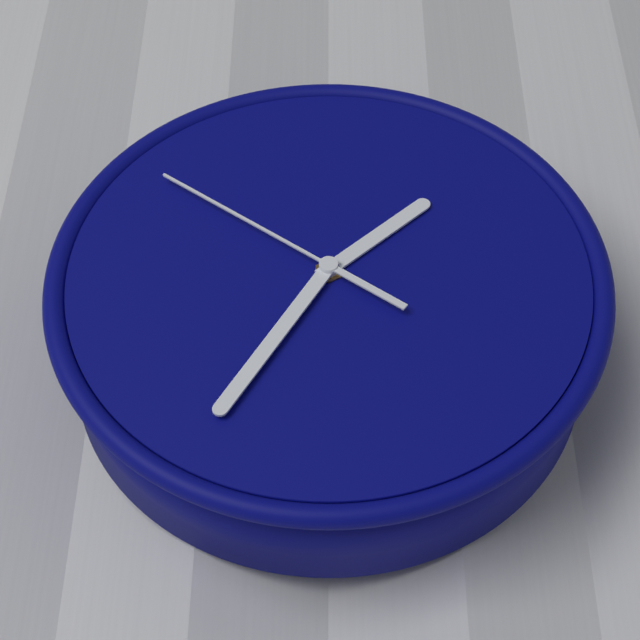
1:35:51
